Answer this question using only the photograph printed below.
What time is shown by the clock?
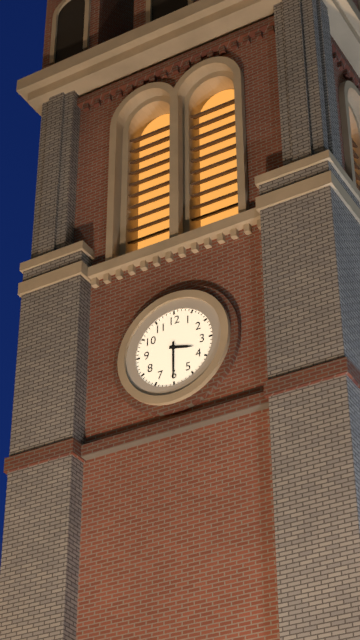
3:30
